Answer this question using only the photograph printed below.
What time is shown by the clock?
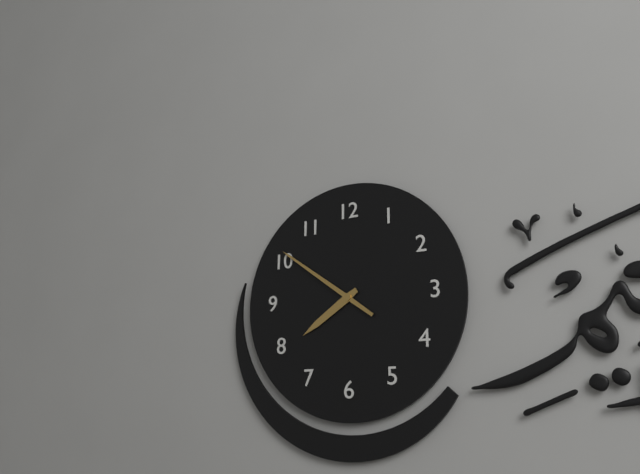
7:51
